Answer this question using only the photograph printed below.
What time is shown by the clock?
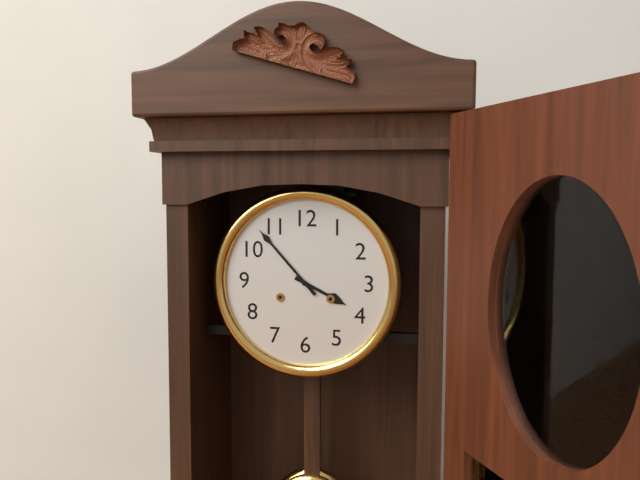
3:53
